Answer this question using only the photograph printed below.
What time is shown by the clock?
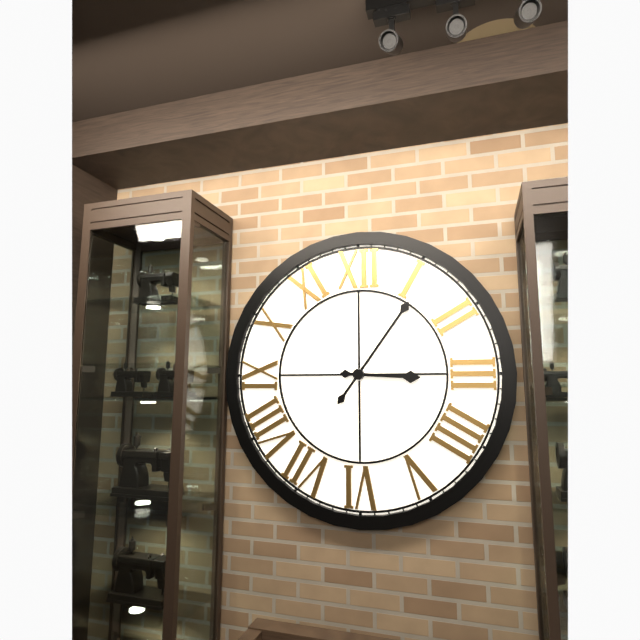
3:06
